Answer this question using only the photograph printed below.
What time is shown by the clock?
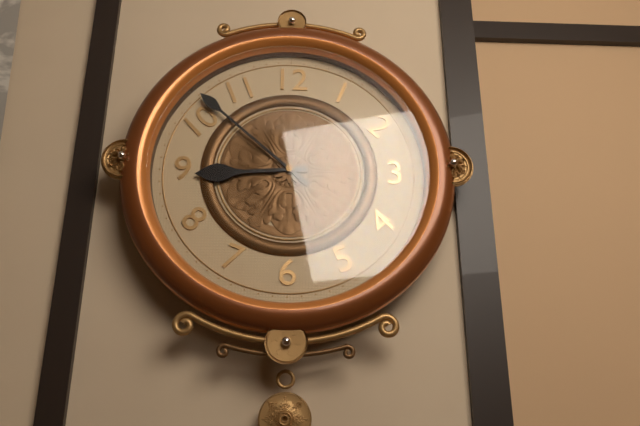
8:52
